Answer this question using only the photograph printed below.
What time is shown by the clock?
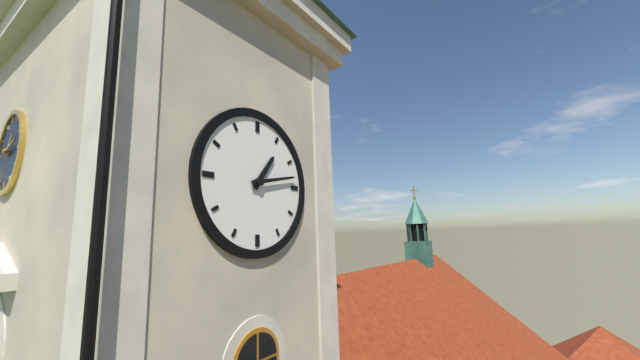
1:13
